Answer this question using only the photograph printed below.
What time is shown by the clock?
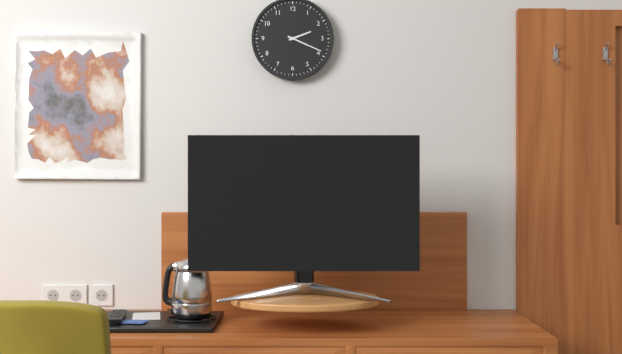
2:19
